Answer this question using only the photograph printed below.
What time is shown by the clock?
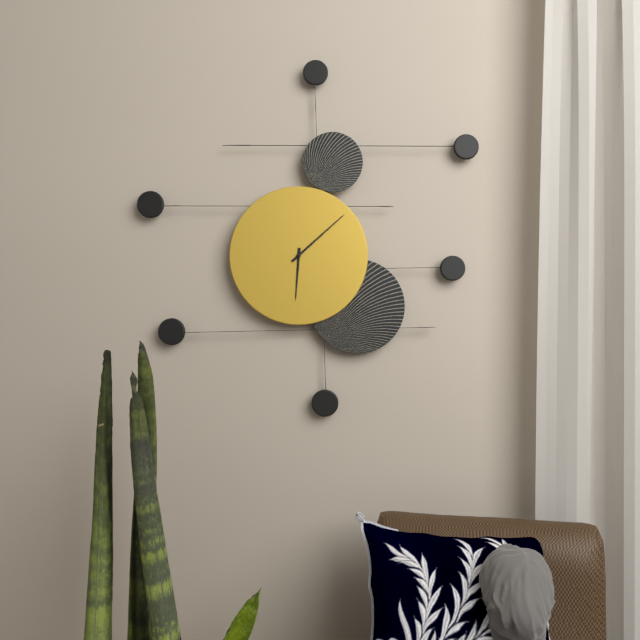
6:08
